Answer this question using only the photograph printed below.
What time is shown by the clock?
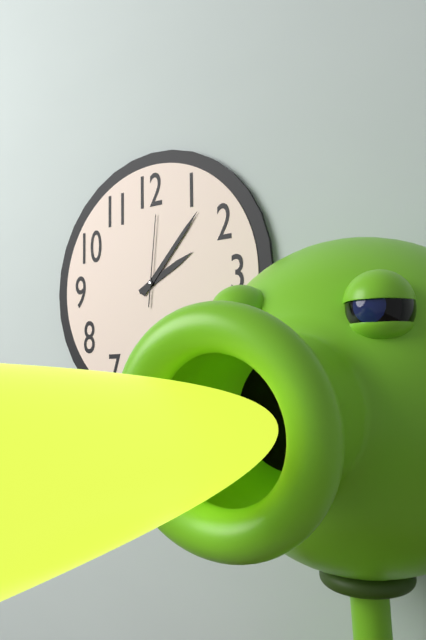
2:07:01
